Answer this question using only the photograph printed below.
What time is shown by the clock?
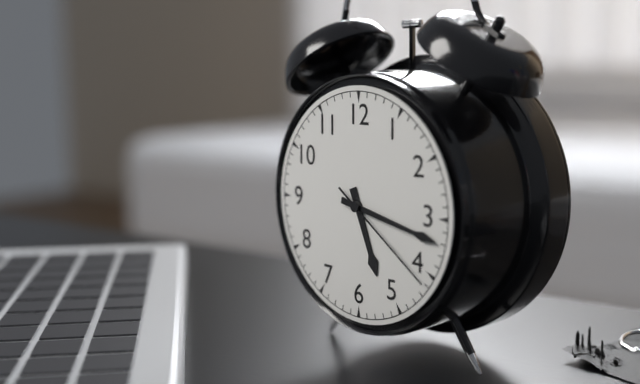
5:17:21
